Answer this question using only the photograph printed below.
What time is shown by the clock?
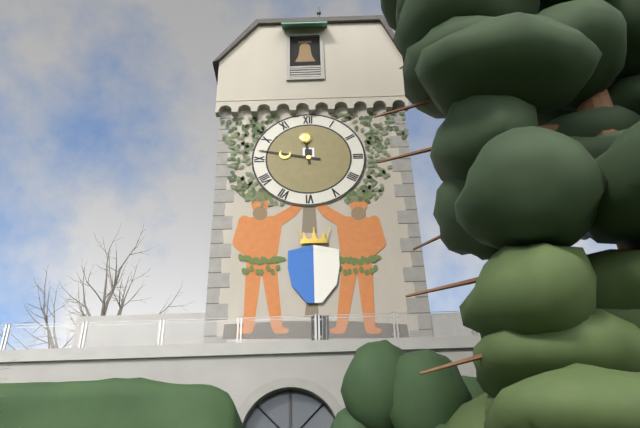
11:47
